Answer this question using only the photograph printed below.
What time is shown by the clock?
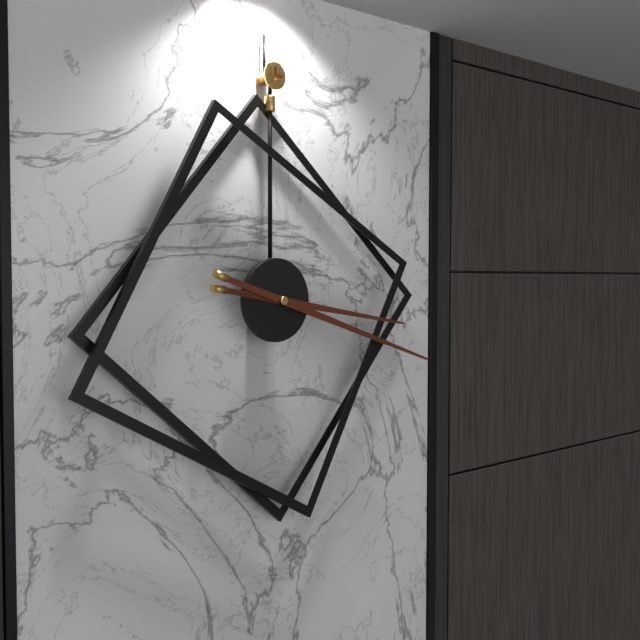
3:18
